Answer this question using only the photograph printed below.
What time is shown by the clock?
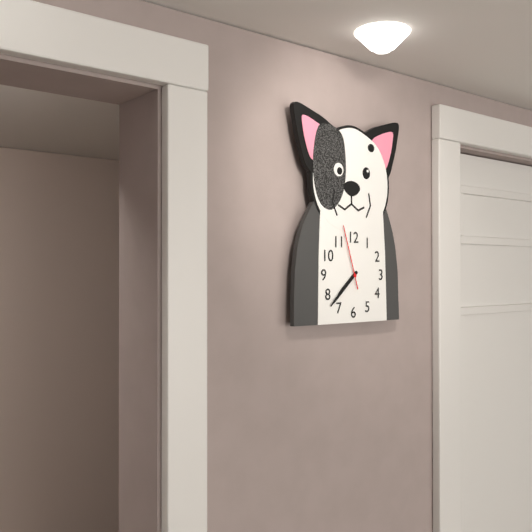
7:38:57
